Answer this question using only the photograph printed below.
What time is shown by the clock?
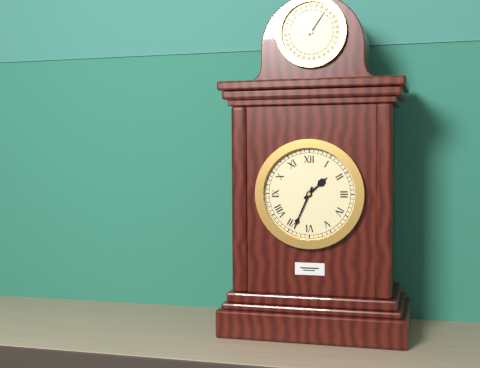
1:34
